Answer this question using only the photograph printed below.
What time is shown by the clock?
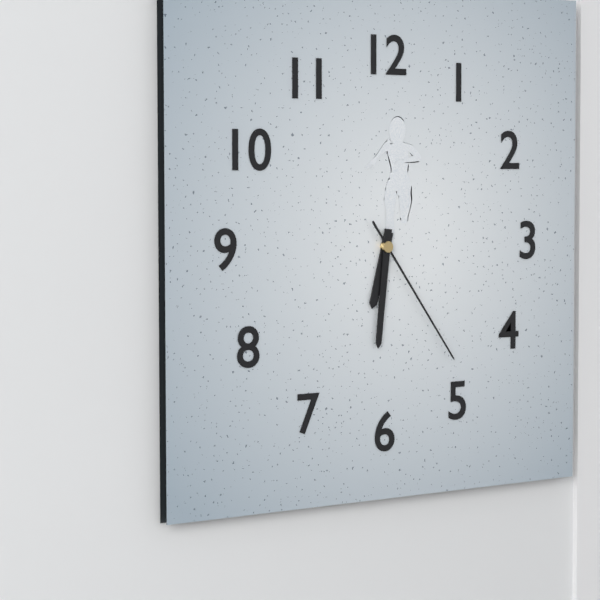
6:31:24
